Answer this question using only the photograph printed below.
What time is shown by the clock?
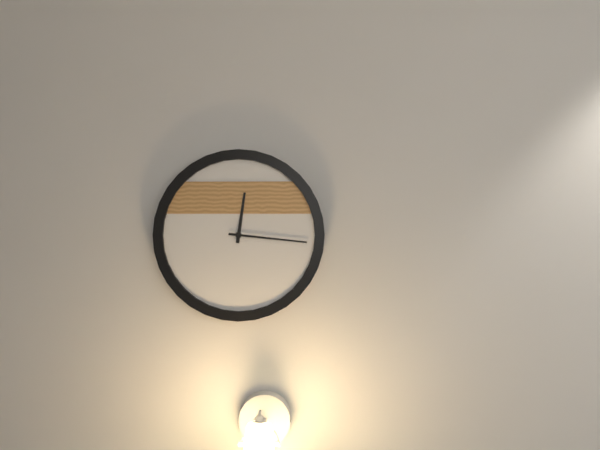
12:16
